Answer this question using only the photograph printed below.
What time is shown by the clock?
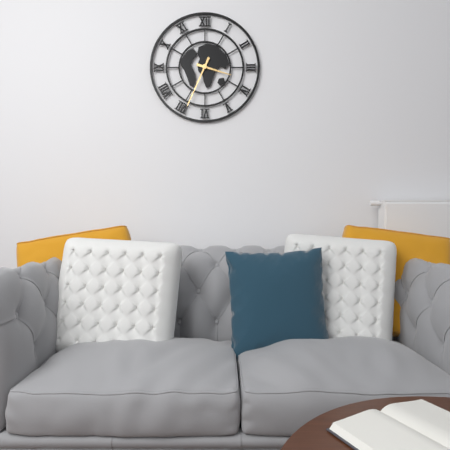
3:34
